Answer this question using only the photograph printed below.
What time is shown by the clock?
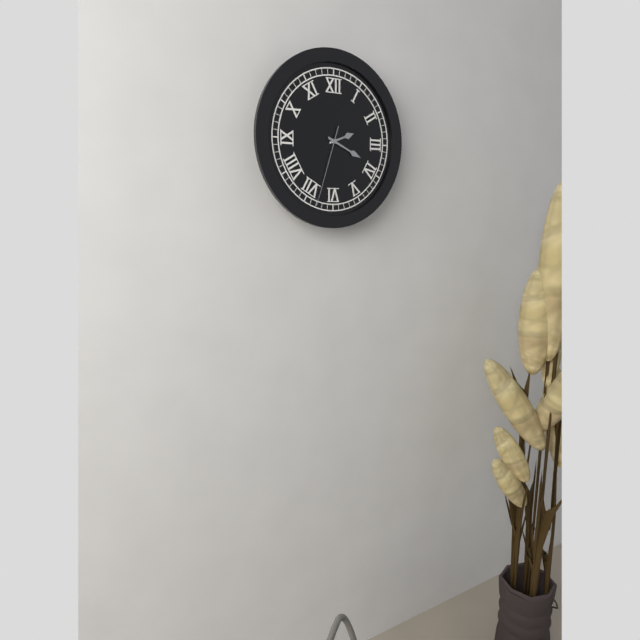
2:19:33
